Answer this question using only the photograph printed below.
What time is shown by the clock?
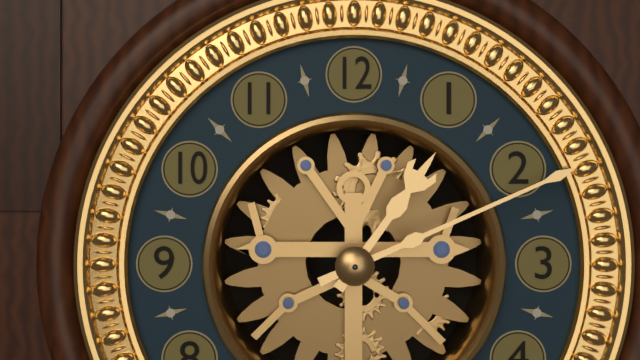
1:11
